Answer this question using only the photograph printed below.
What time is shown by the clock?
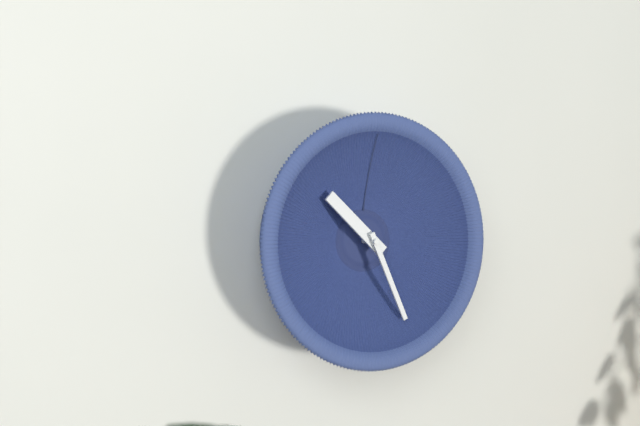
10:26
